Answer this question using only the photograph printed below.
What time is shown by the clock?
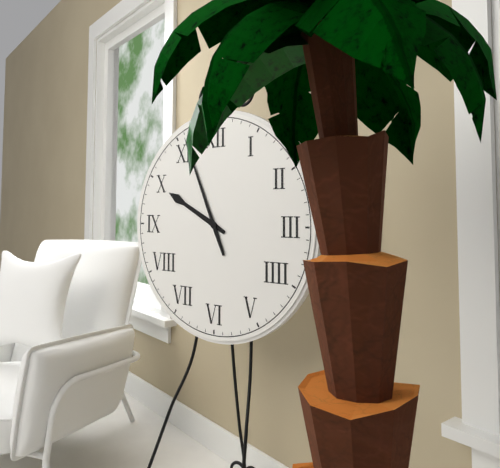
9:56
